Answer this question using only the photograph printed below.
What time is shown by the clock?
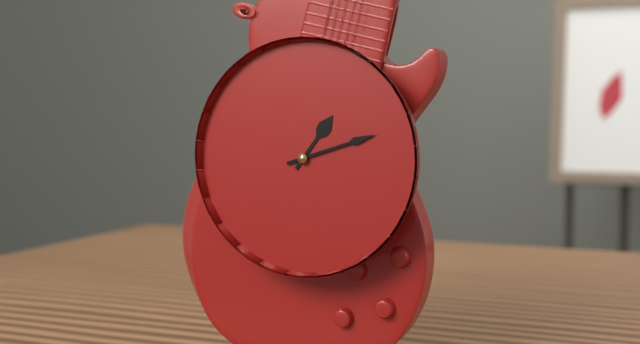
1:12
